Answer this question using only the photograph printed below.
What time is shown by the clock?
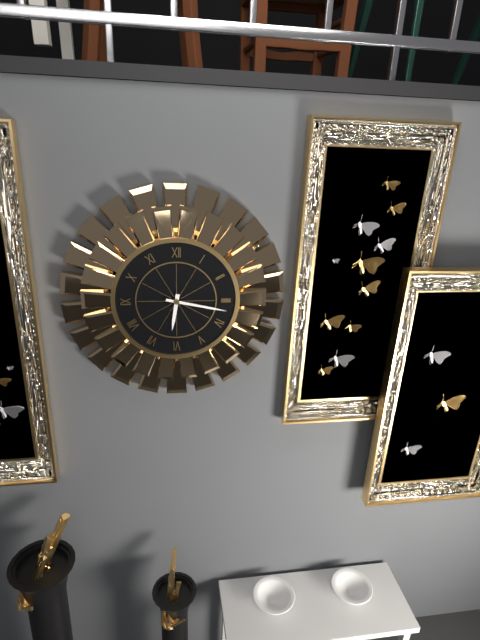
6:17
